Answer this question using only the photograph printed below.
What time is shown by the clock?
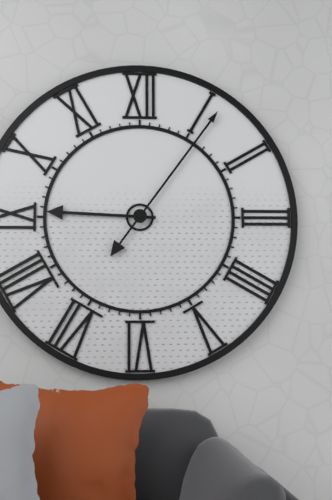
9:06
